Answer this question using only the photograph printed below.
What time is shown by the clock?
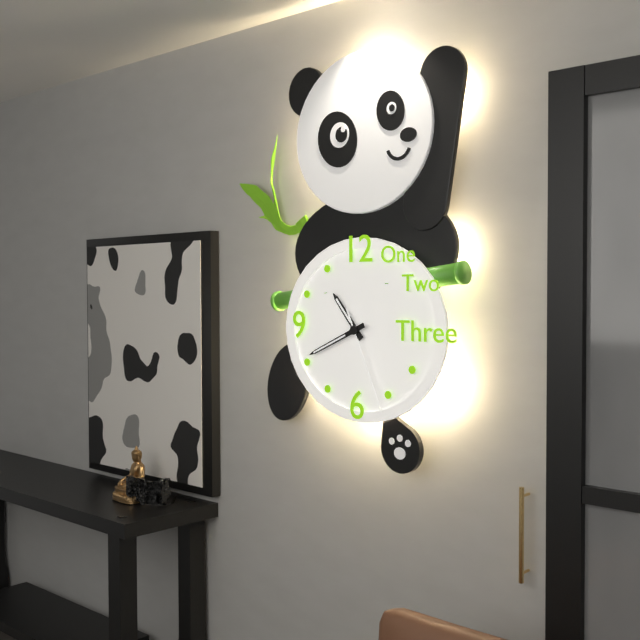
10:41:26
